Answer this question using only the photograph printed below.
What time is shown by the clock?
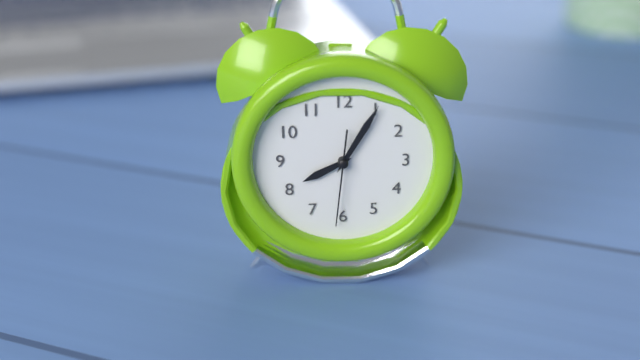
8:05:31
